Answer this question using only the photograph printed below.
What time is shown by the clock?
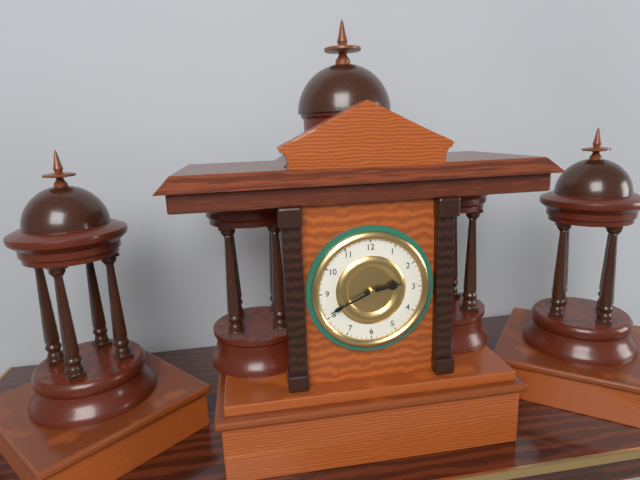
2:41
